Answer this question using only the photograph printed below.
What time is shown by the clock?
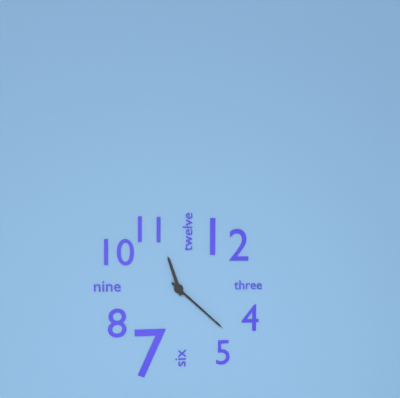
11:22
